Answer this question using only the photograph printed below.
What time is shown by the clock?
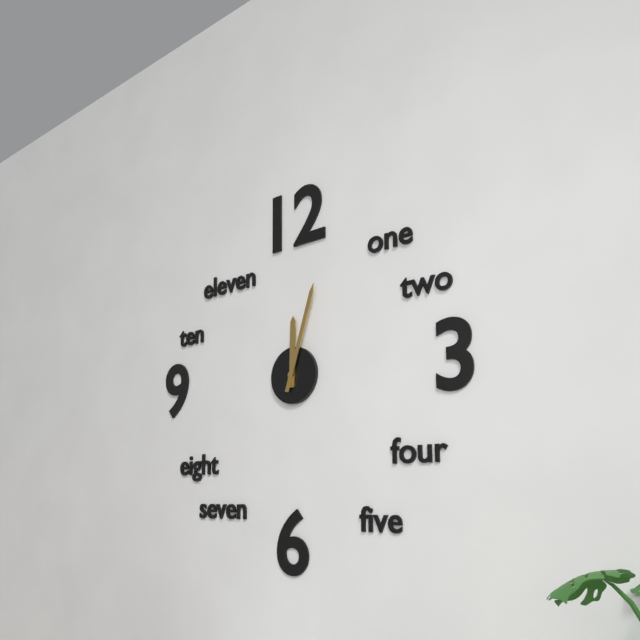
12:03
